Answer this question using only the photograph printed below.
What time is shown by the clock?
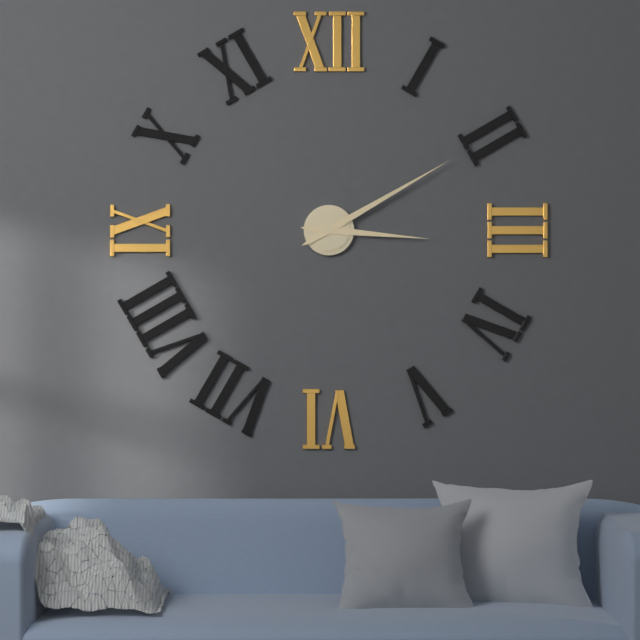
3:10
